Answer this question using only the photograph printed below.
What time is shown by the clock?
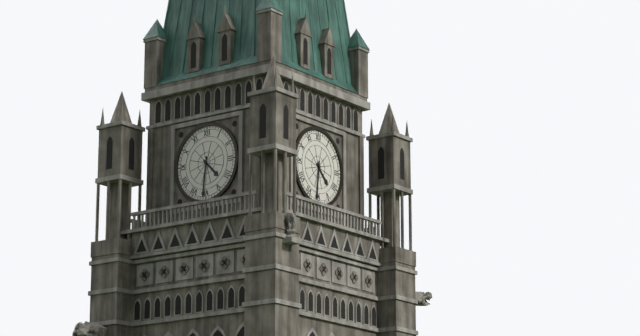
4:31
